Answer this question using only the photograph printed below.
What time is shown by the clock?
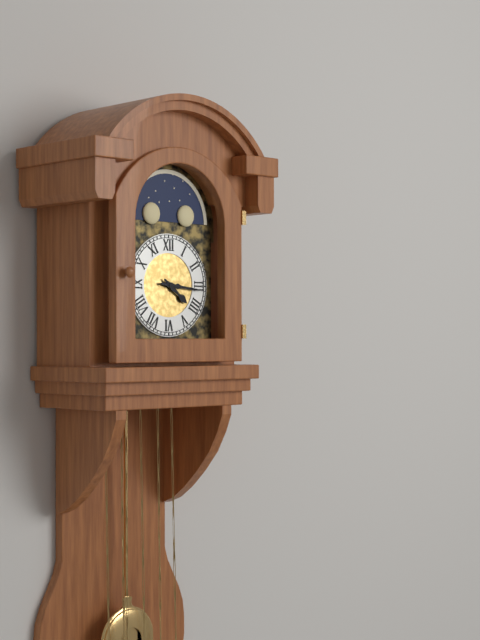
4:16
